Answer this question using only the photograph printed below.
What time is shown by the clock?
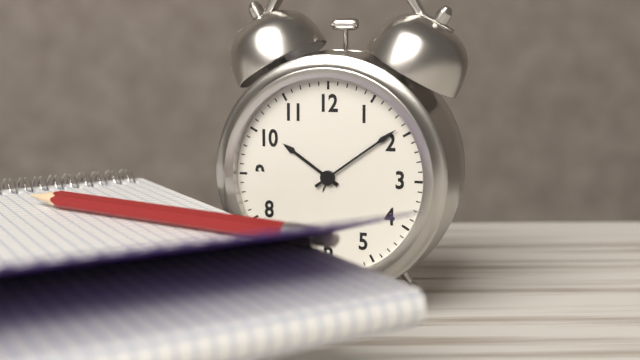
10:09
